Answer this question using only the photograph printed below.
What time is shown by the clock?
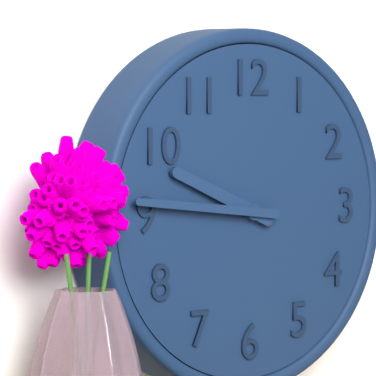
9:46
